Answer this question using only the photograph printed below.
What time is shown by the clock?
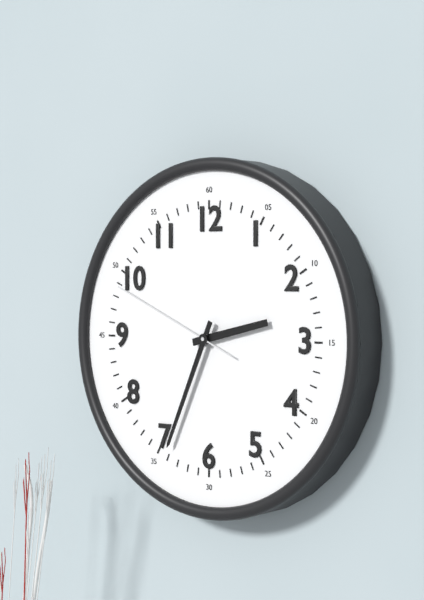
2:34:49
